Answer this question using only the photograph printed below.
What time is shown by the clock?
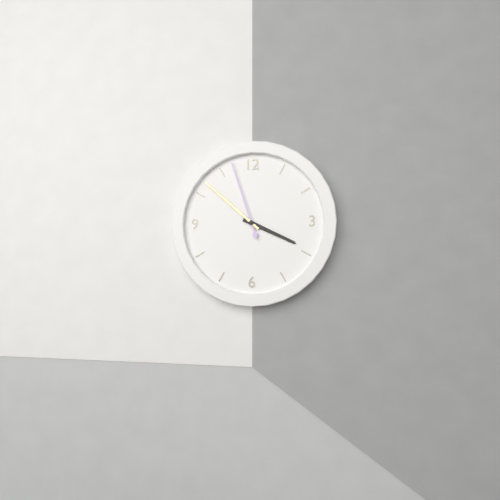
3:52:57
